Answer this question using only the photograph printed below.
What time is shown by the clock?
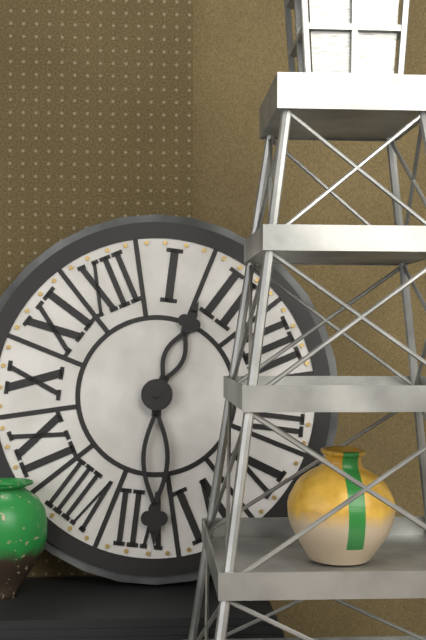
1:34
